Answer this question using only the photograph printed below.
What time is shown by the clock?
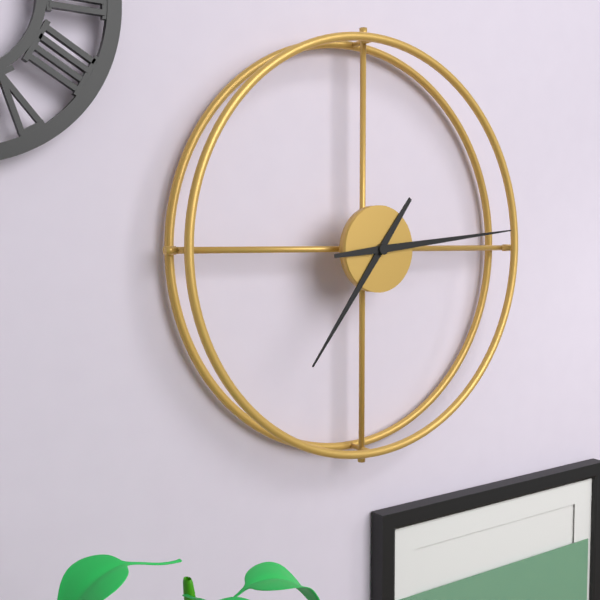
7:14
